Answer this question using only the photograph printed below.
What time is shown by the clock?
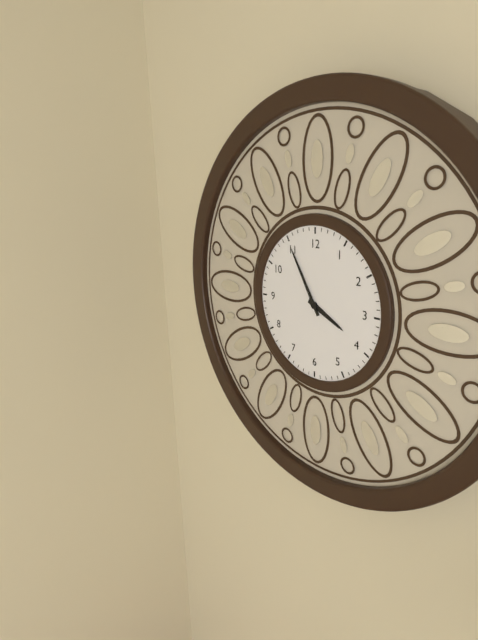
3:55
